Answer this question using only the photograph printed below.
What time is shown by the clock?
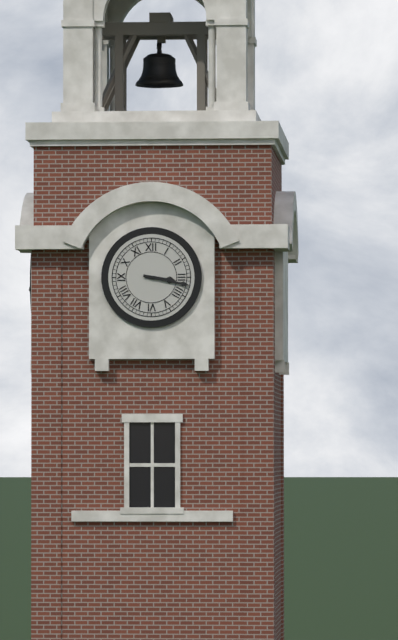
3:17
